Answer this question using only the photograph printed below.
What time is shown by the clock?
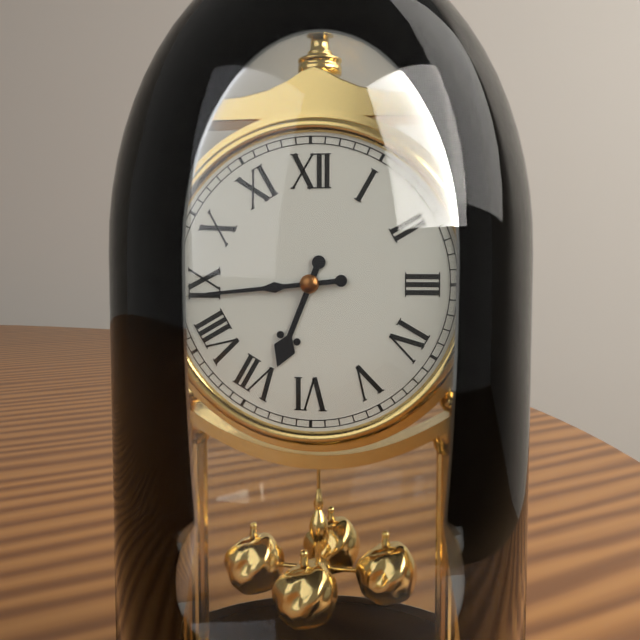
6:44
